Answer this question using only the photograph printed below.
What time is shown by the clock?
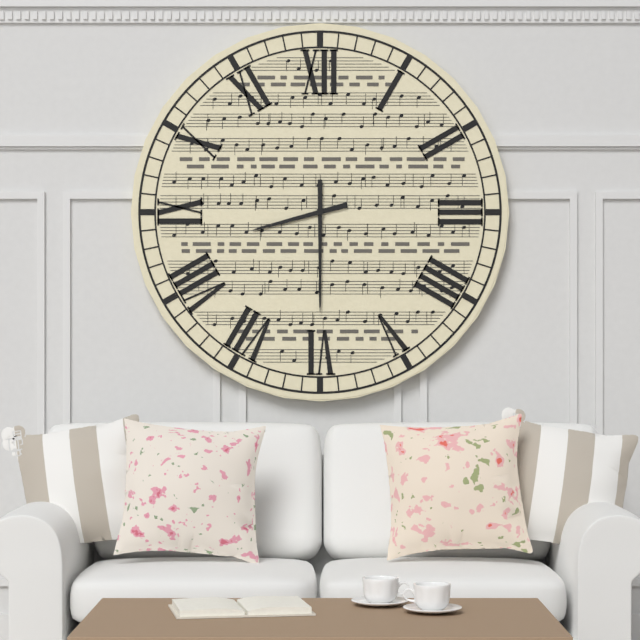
8:30
